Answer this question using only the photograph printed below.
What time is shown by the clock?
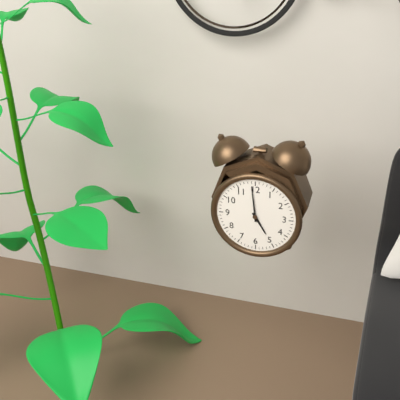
4:59
